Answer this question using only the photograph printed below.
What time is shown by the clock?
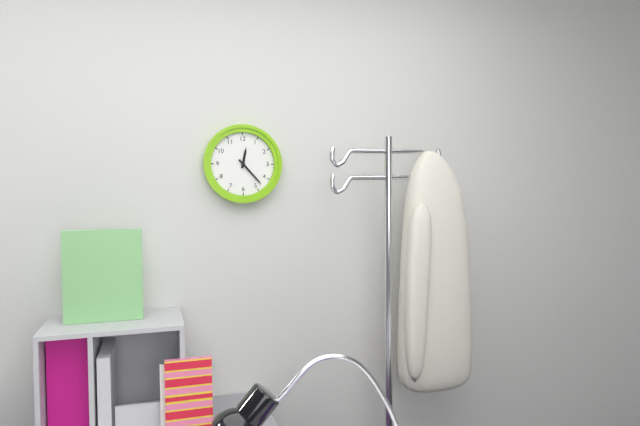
12:23
